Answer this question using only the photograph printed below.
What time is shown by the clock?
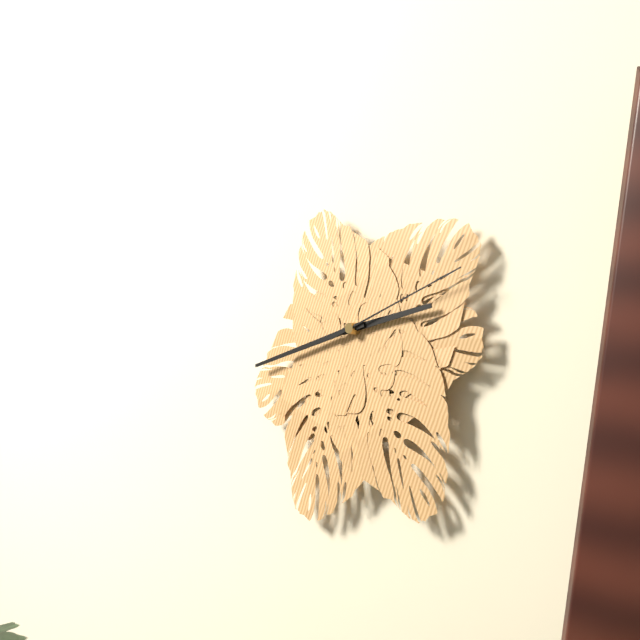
2:43:12
